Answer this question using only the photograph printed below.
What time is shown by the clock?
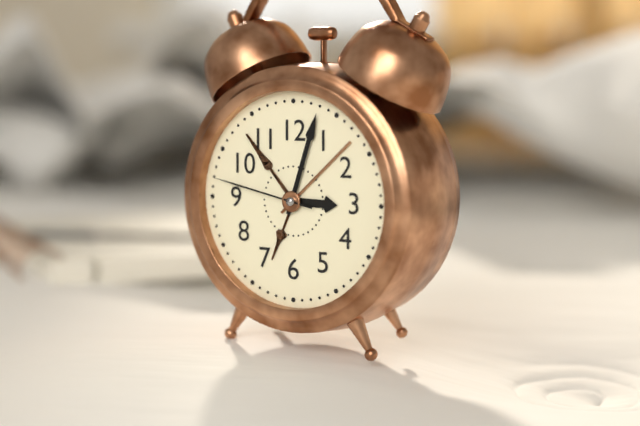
3:03:47
